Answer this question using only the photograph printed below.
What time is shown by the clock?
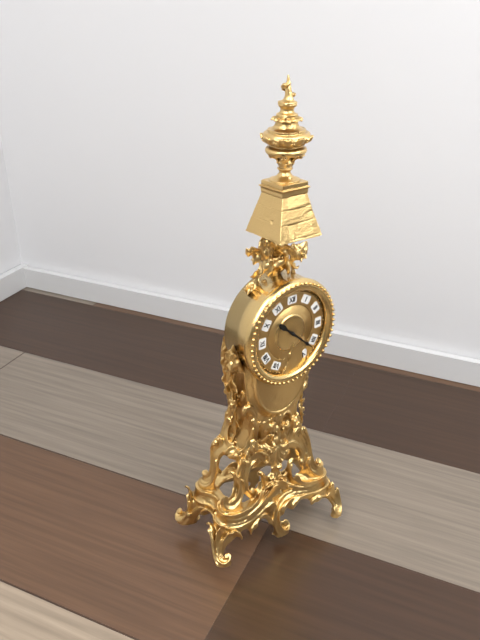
10:22
